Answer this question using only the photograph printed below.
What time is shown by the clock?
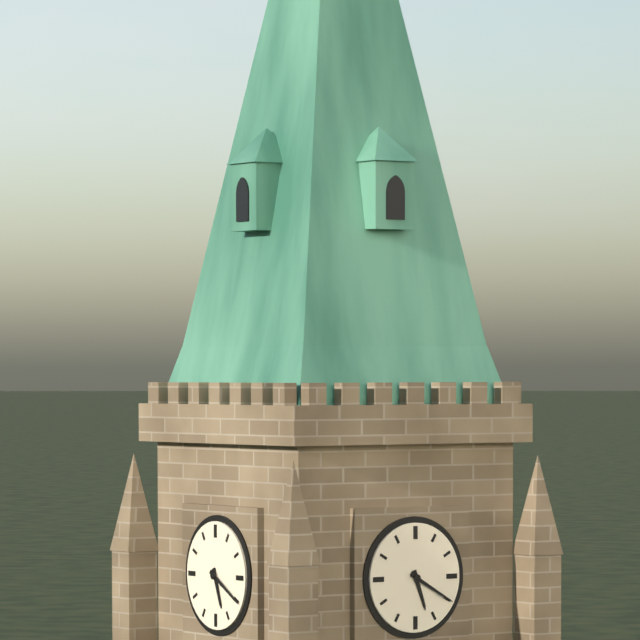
5:20
